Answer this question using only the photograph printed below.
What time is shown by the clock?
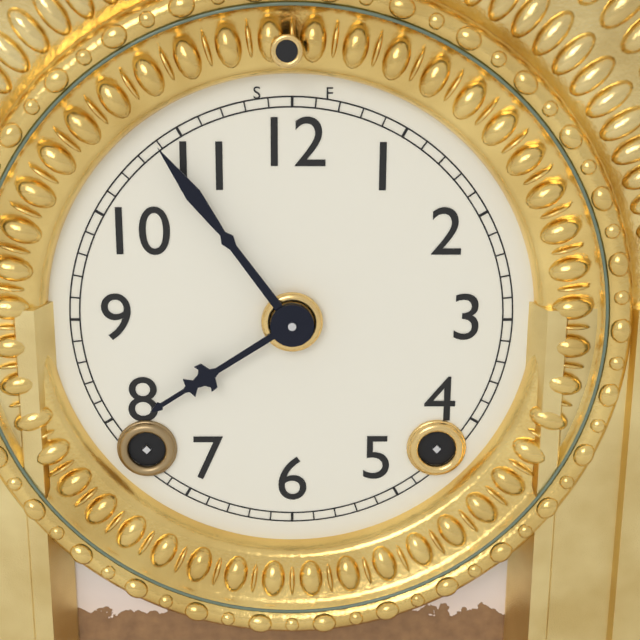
7:54
